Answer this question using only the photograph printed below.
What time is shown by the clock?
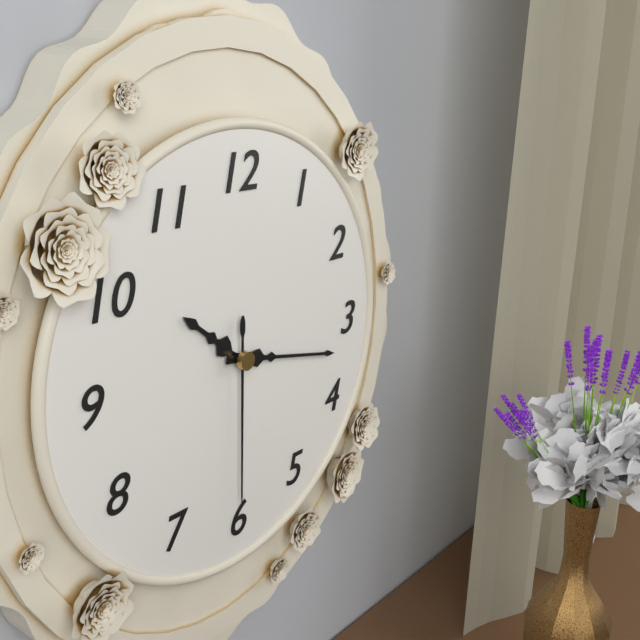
10:17:30
